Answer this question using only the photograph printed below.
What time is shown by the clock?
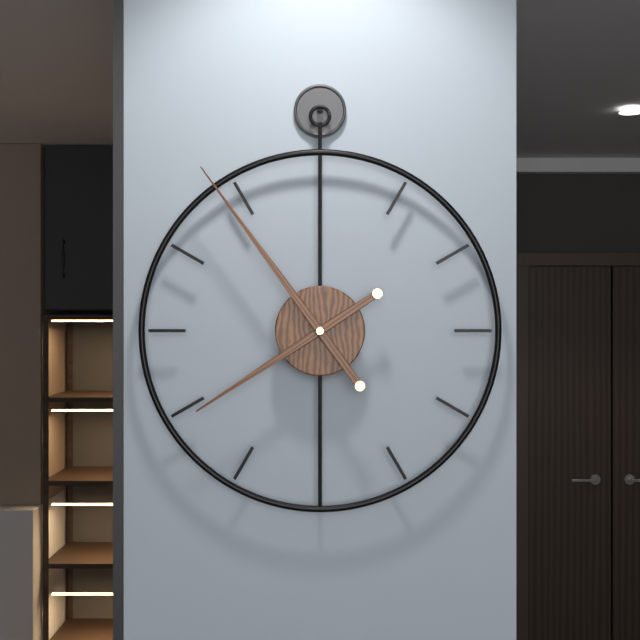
7:54
